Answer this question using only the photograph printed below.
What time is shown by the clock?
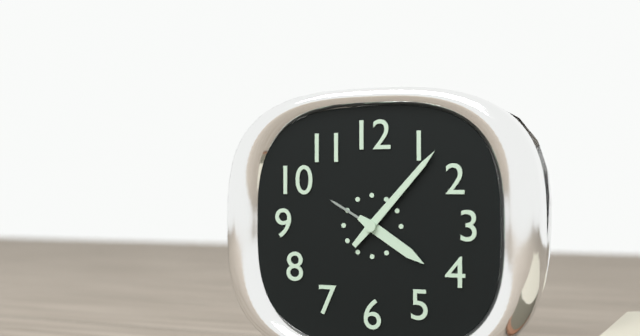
4:07
